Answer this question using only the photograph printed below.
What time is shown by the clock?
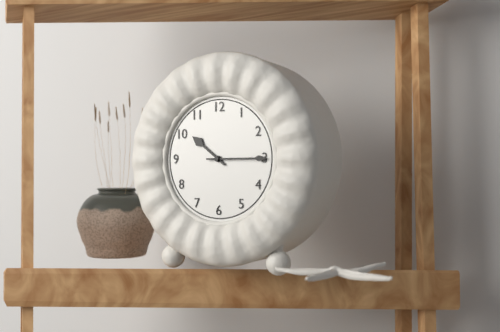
10:15
